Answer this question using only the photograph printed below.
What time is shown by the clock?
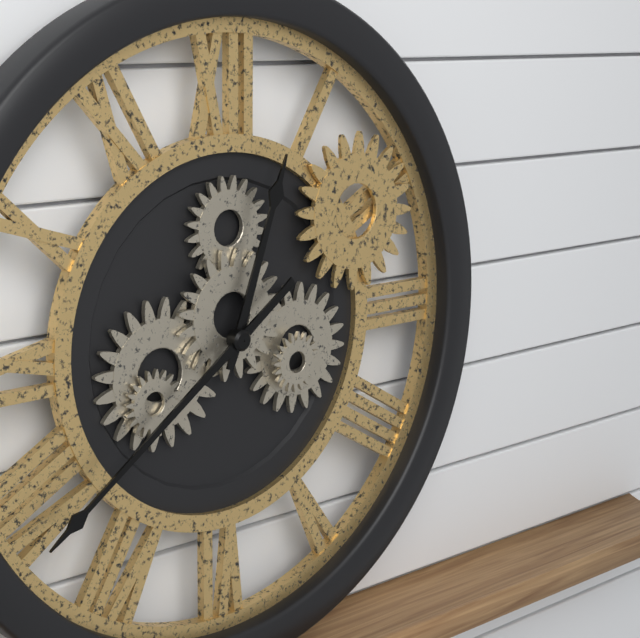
12:39
